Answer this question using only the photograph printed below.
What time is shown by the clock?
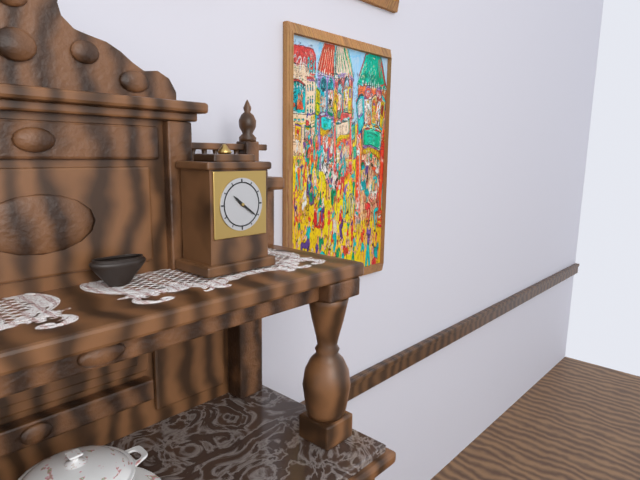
10:21
